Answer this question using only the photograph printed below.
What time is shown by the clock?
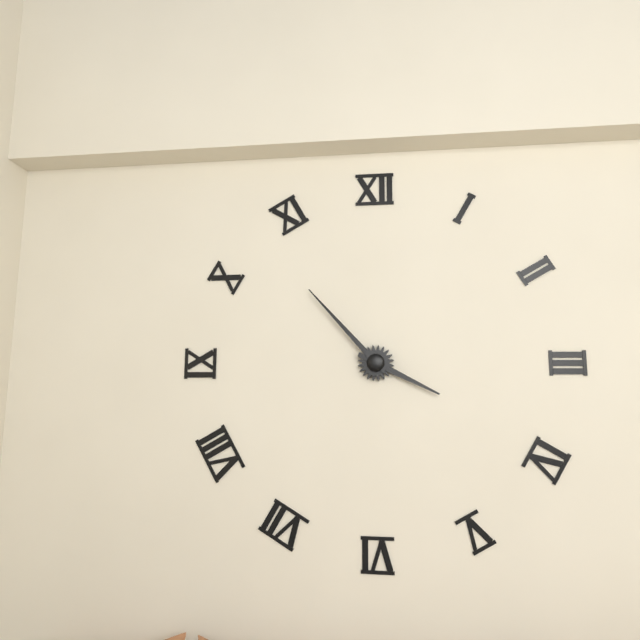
3:53
